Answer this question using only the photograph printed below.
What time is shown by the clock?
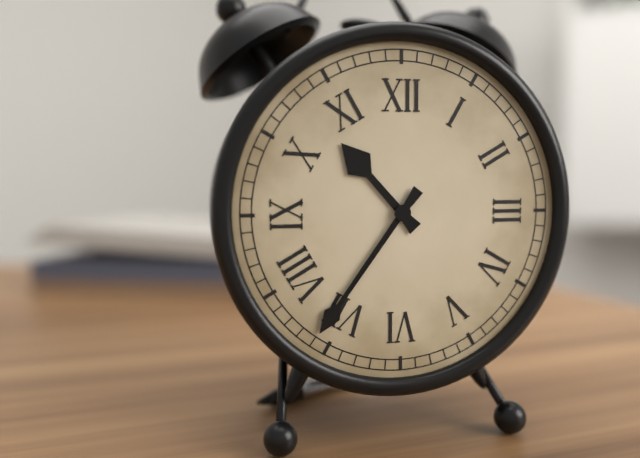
10:36
